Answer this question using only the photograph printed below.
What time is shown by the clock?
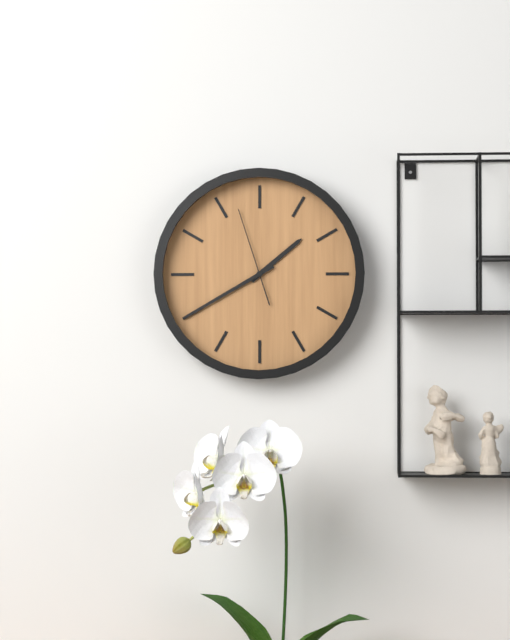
1:40:57
